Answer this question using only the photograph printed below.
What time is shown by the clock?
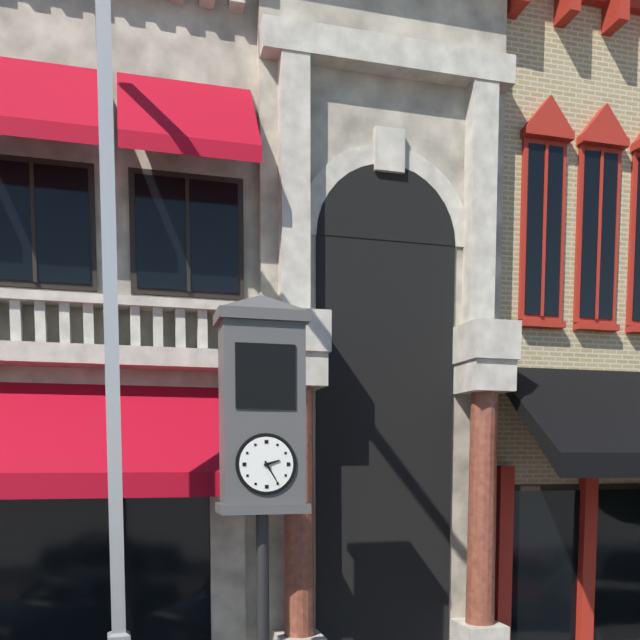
2:25
